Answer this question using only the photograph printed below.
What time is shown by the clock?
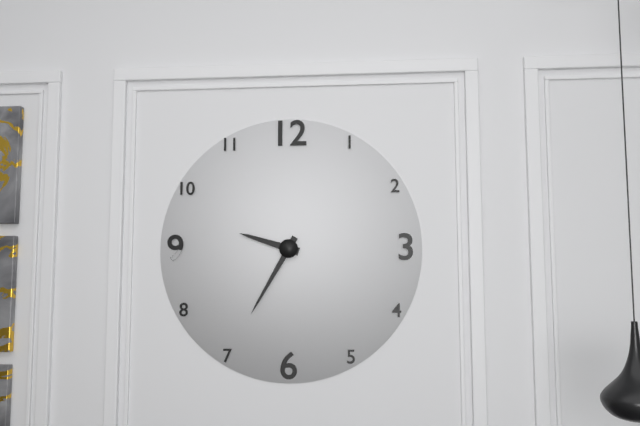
9:35
